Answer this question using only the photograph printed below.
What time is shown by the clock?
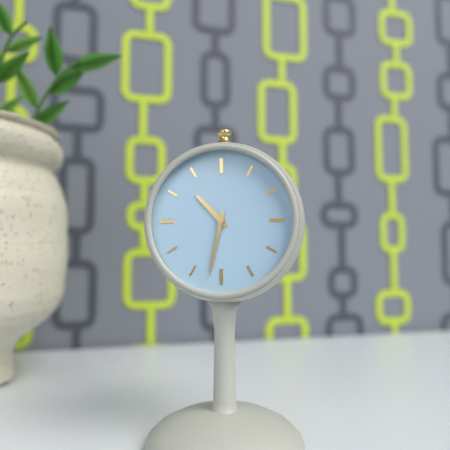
10:32
